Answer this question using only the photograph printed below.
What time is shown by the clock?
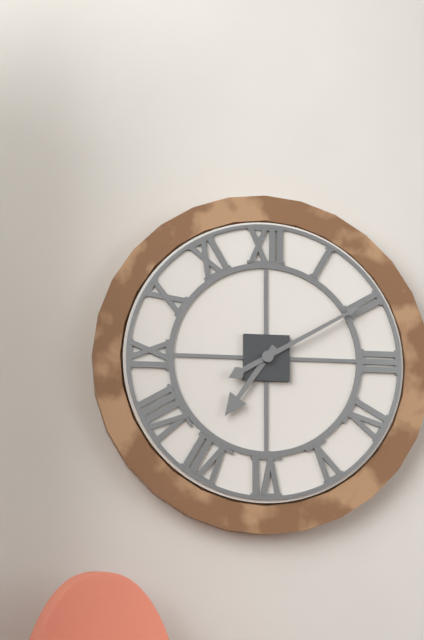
7:10
